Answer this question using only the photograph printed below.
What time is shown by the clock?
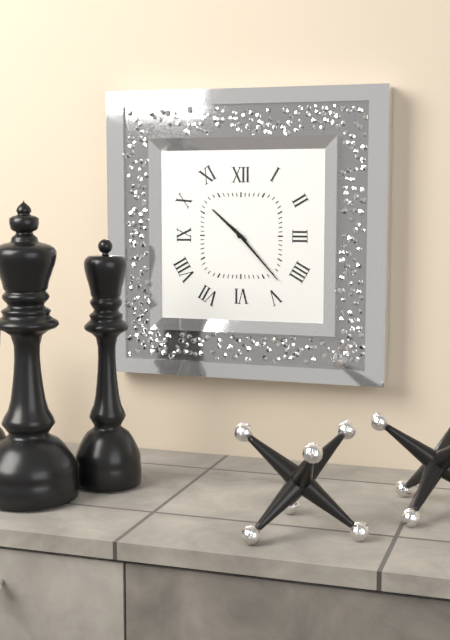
10:23
